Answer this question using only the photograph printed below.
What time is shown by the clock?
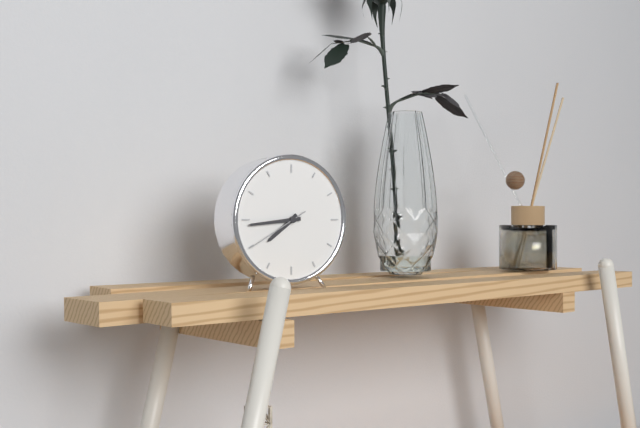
7:44:40
